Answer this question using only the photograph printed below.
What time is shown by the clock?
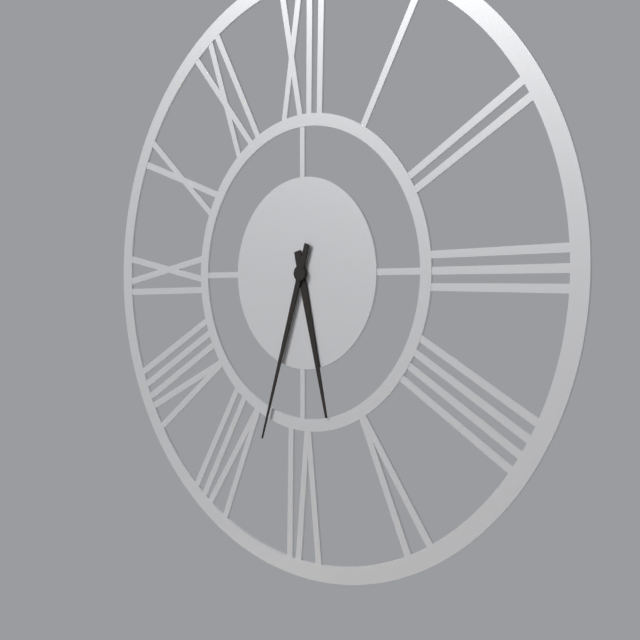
5:33
